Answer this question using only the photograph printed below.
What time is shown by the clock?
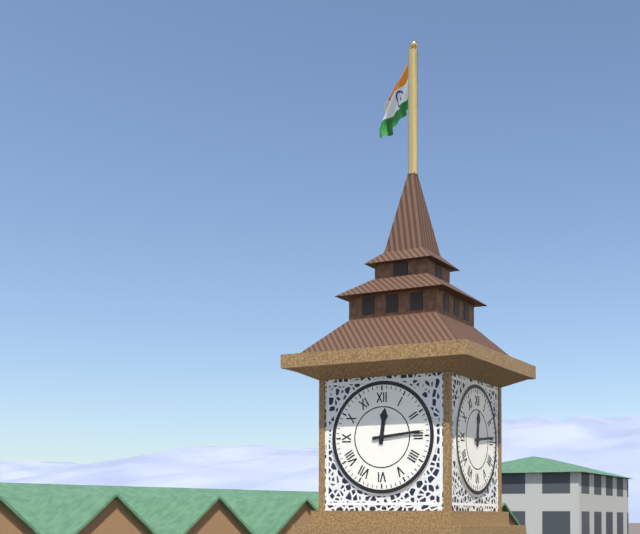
12:14
